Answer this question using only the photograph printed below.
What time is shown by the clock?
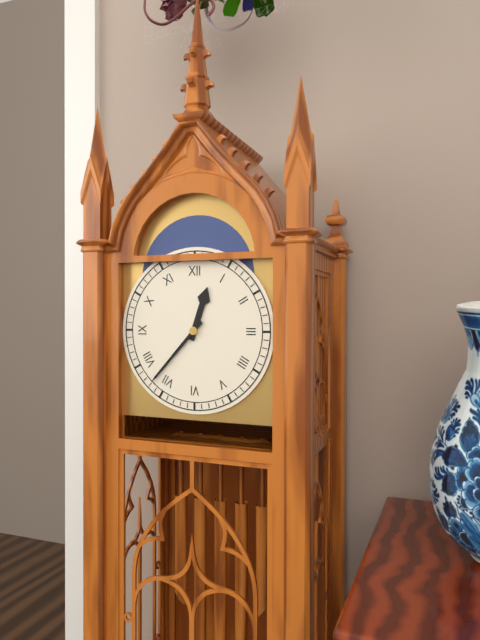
12:37
